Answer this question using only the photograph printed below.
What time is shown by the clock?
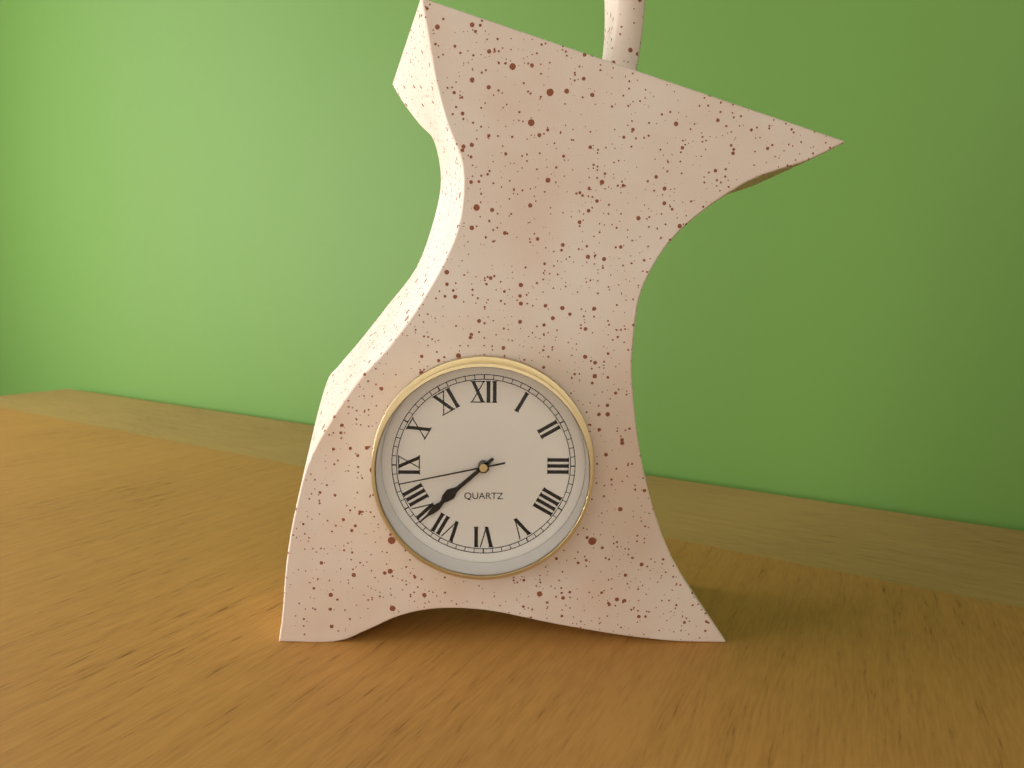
7:38:43
